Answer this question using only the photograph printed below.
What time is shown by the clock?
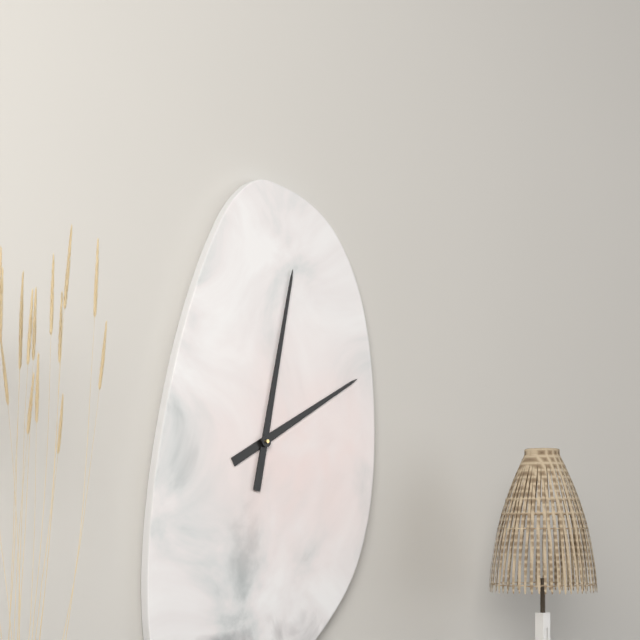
2:02
